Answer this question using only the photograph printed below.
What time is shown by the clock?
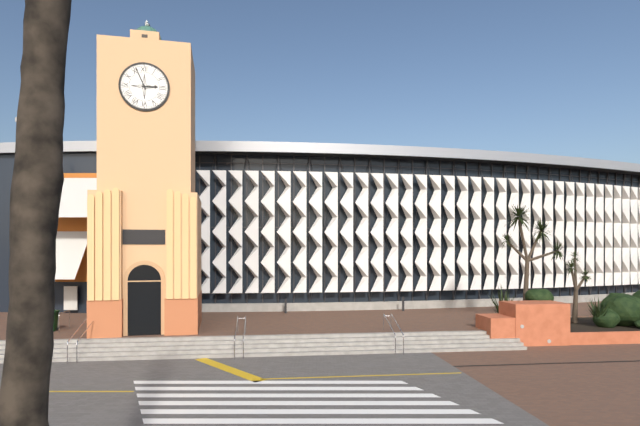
2:56
